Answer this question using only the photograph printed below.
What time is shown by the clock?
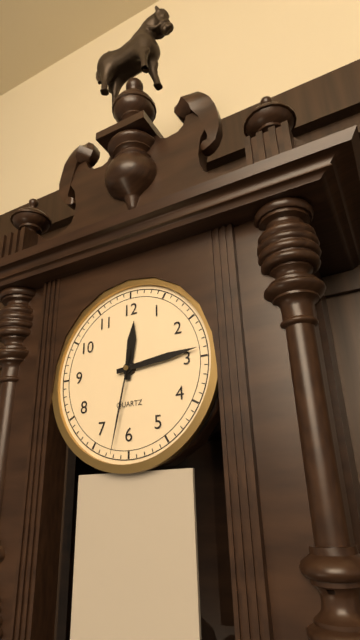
12:14:32
